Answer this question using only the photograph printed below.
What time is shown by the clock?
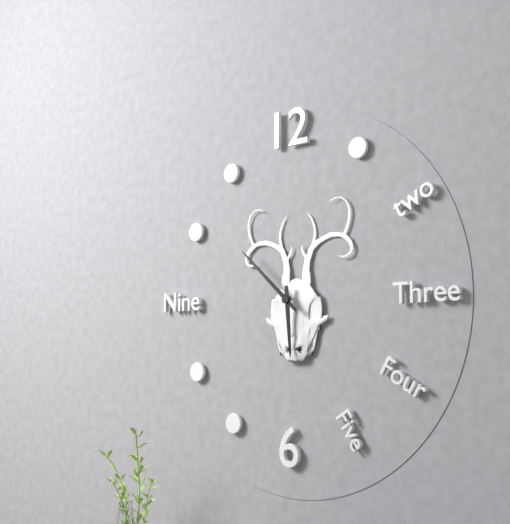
5:52
